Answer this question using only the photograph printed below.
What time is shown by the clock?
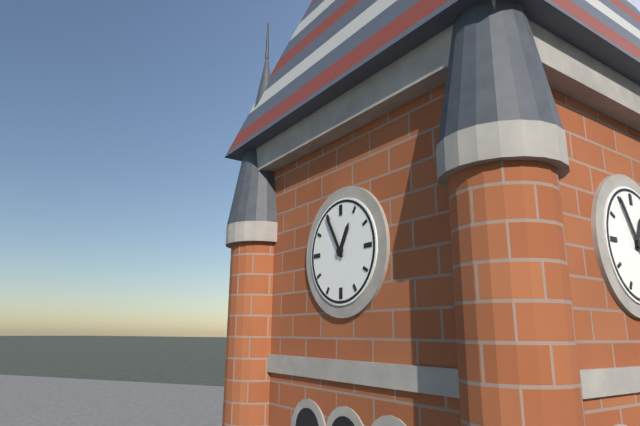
12:55
